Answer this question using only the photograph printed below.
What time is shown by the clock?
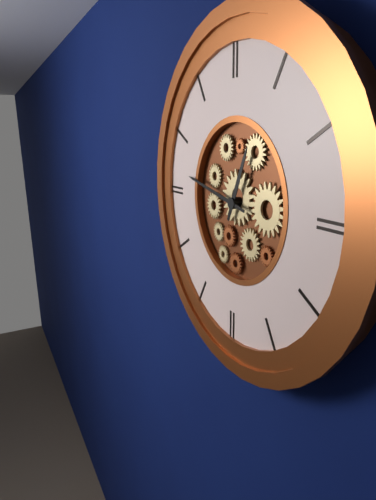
12:47
